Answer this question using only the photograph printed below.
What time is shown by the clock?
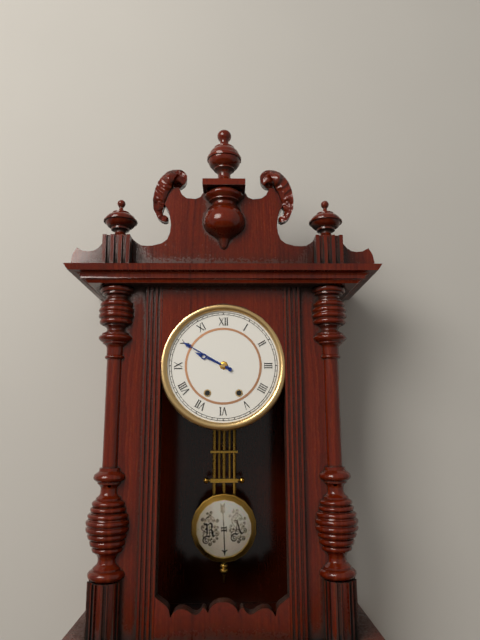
9:50
